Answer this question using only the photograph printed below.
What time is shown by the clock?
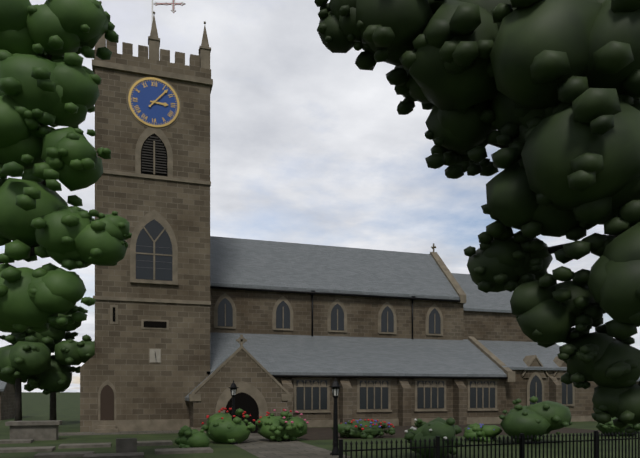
3:07
